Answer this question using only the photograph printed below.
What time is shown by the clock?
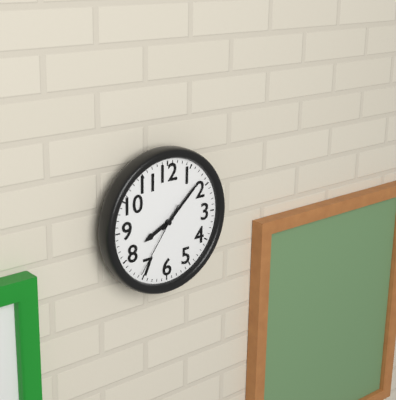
8:08:36
